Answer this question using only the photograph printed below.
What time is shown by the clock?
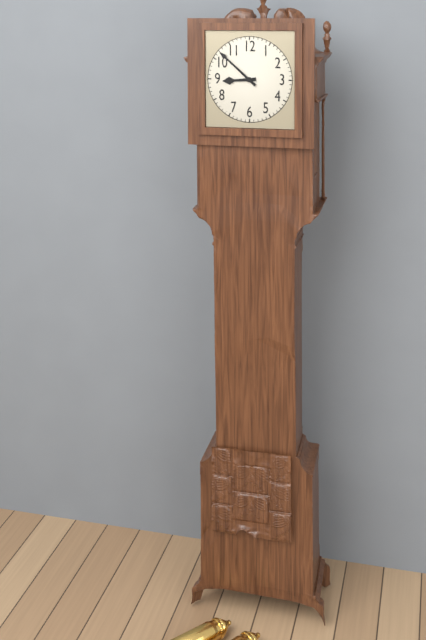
8:52
